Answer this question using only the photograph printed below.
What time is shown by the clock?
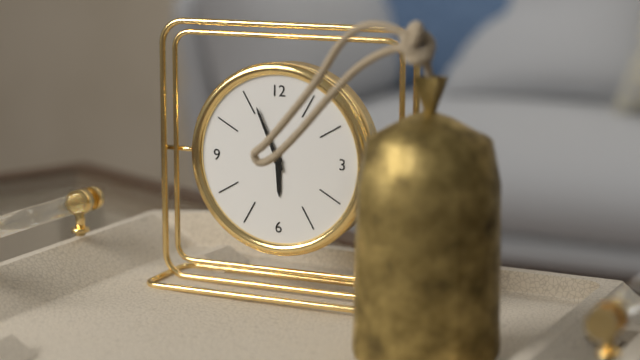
5:56
